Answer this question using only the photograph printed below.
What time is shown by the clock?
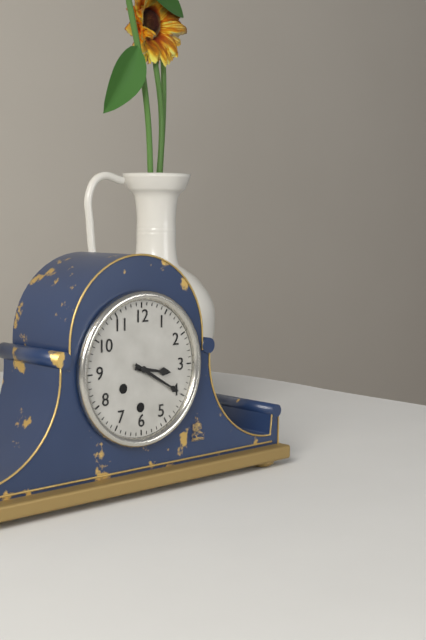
3:20
